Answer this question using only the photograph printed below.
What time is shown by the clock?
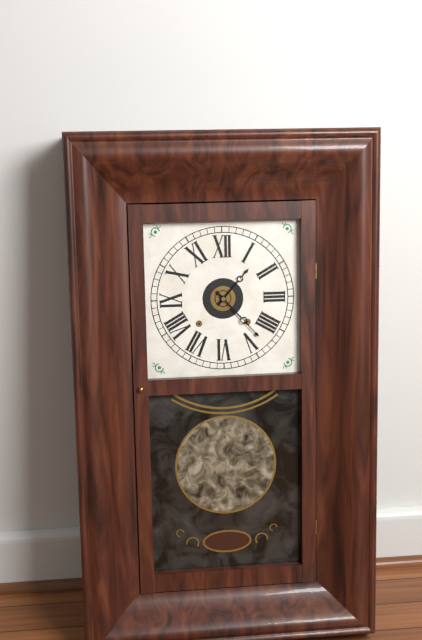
1:23
